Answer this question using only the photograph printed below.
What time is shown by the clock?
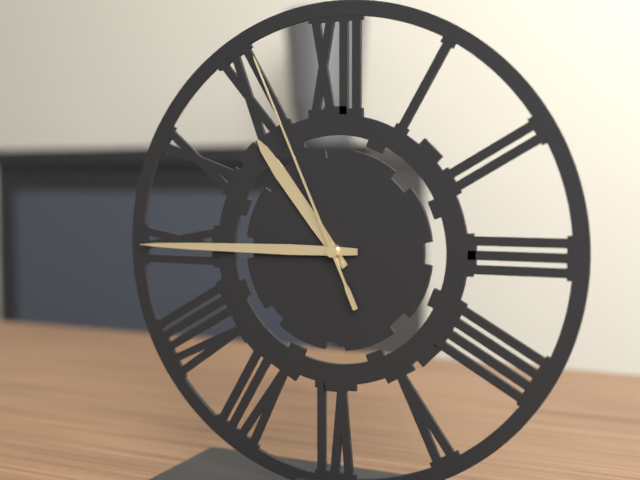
10:45:56
